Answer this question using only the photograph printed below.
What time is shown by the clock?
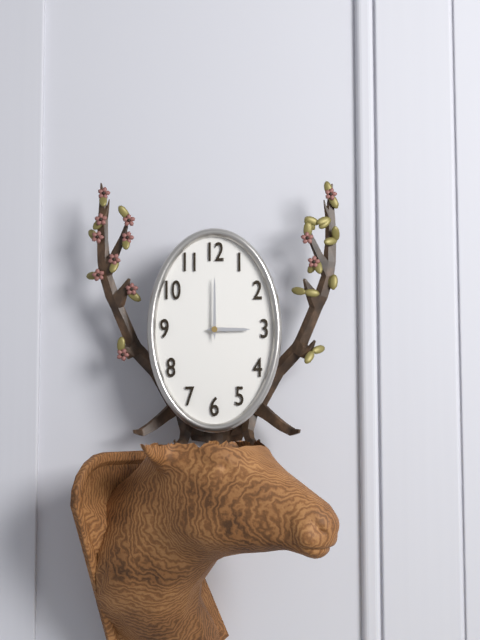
3:00
